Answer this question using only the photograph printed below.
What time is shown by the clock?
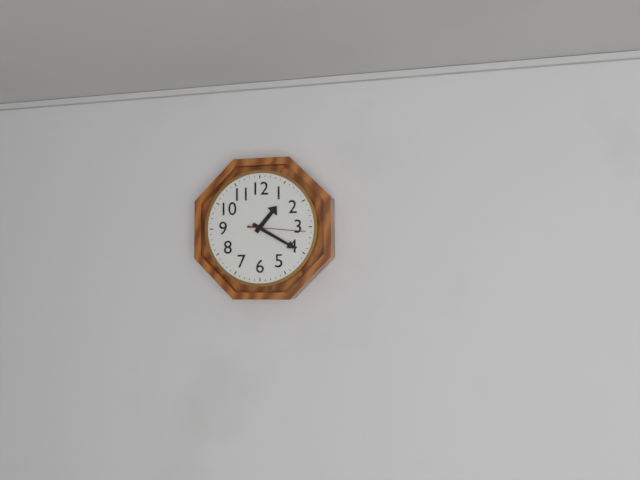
1:20
